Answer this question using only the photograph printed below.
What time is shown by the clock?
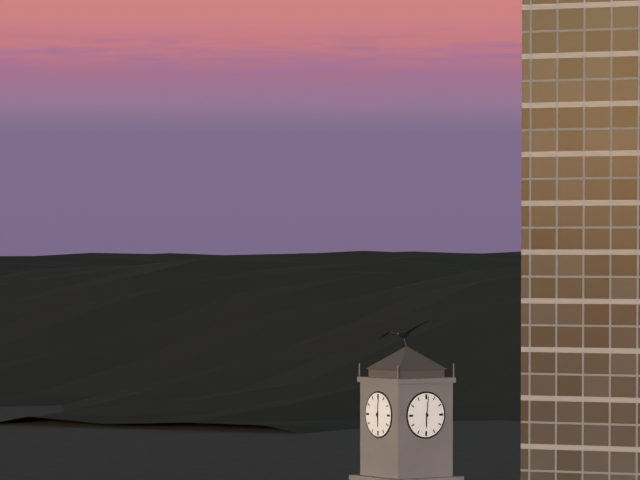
6:01
